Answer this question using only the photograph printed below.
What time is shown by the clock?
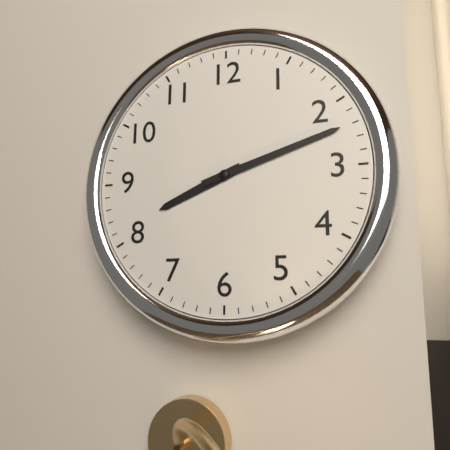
8:12
